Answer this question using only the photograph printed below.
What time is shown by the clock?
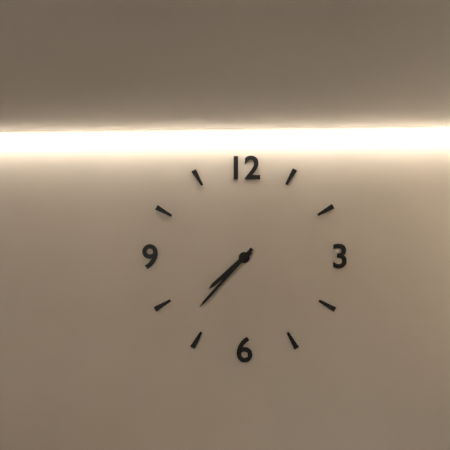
7:37
